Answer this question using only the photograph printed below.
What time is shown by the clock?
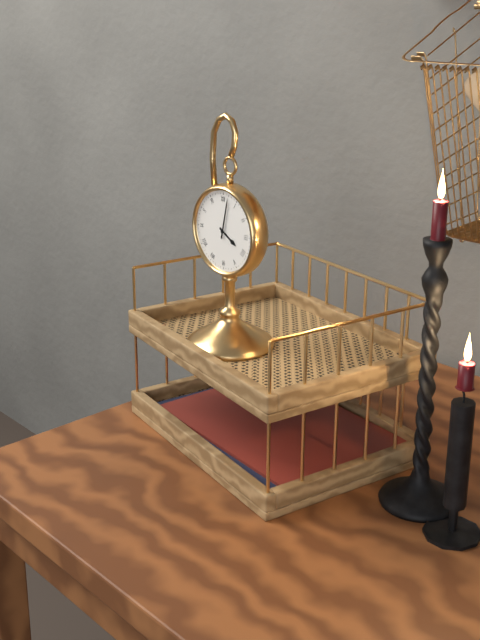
4:02
